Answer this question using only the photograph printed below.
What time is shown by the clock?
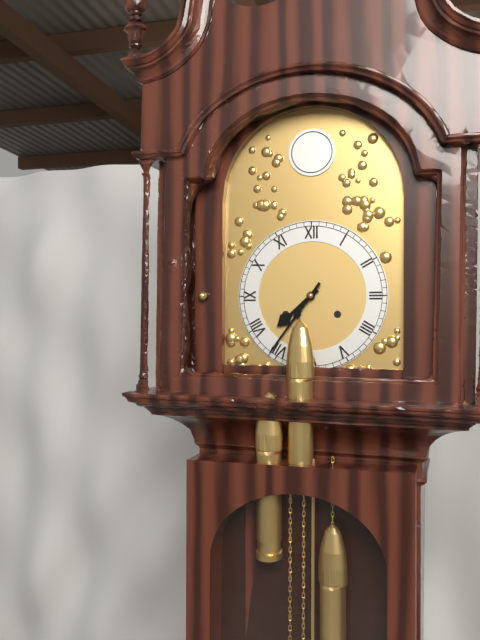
7:36
